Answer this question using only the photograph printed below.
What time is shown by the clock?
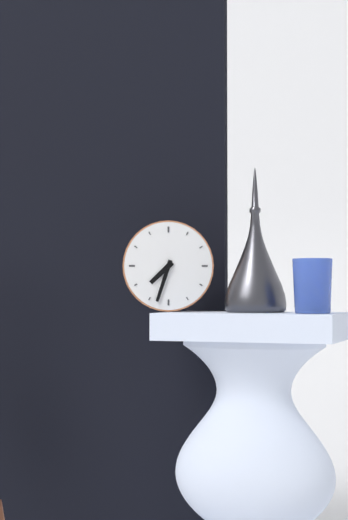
7:33
